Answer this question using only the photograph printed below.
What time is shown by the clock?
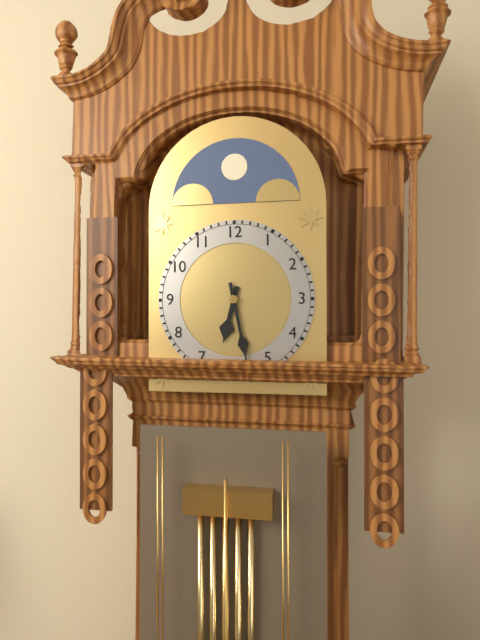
6:28
